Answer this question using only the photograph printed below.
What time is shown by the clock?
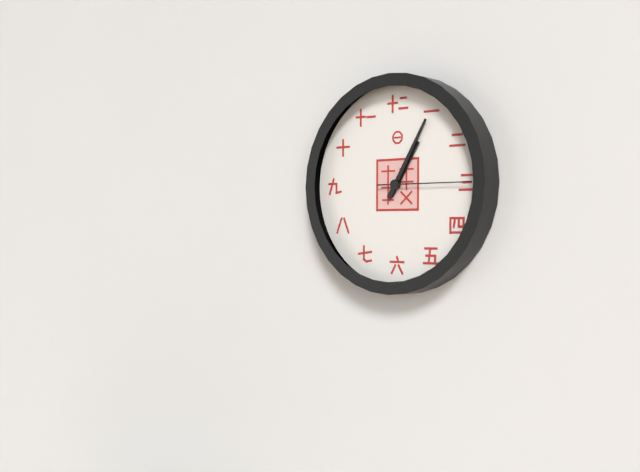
1:05:15
